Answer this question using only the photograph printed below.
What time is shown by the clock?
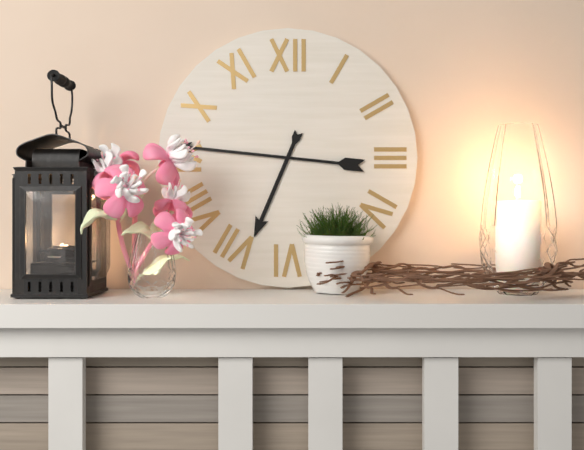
6:46
